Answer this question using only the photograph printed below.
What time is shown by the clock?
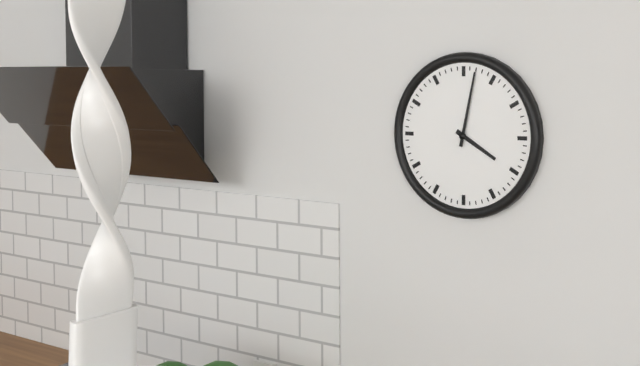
4:02
